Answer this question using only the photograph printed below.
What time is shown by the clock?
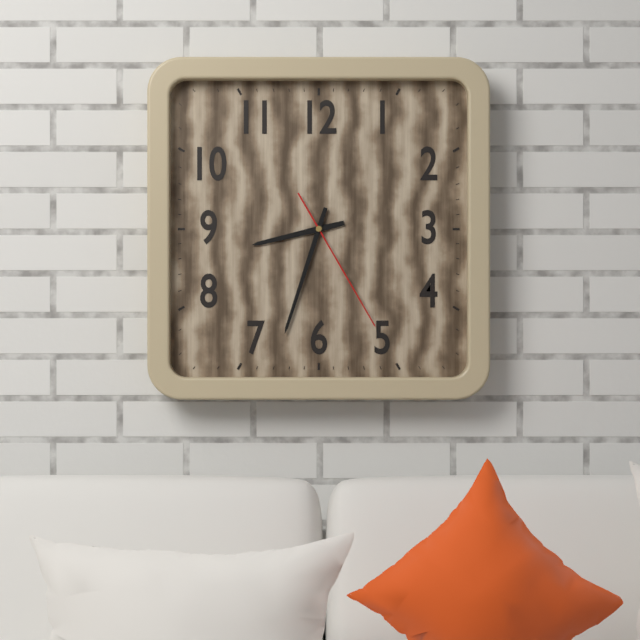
8:33:25
